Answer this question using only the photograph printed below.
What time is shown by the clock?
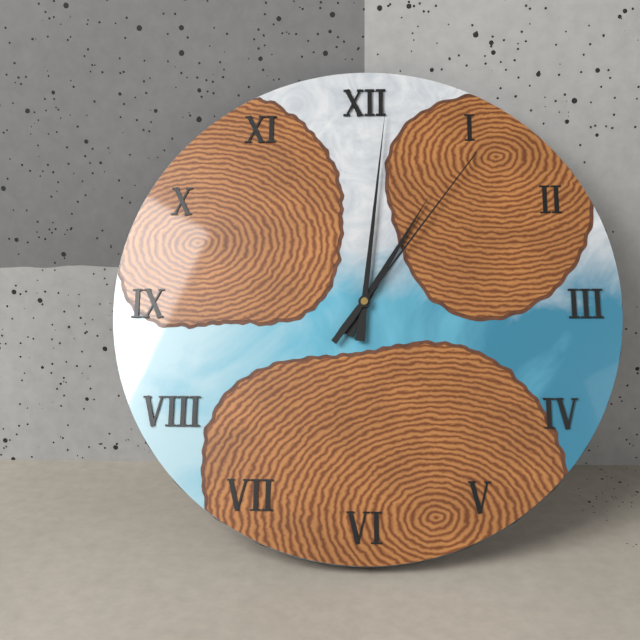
1:01:06
